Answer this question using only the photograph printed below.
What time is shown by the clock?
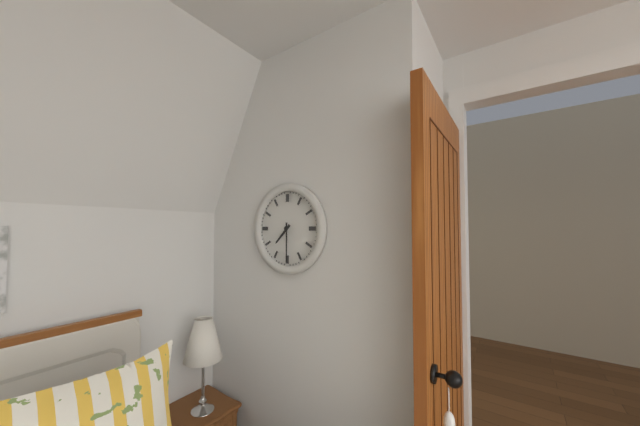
7:30
